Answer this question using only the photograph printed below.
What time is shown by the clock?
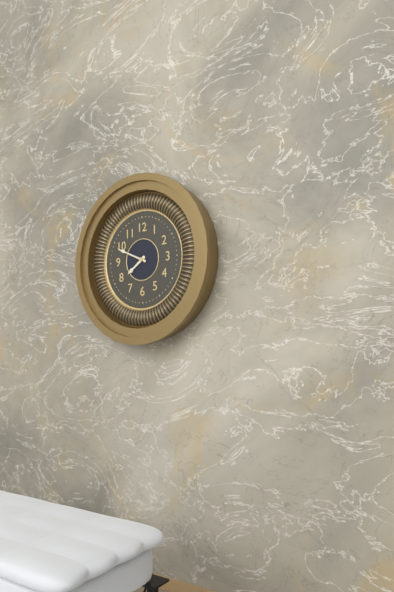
7:49
